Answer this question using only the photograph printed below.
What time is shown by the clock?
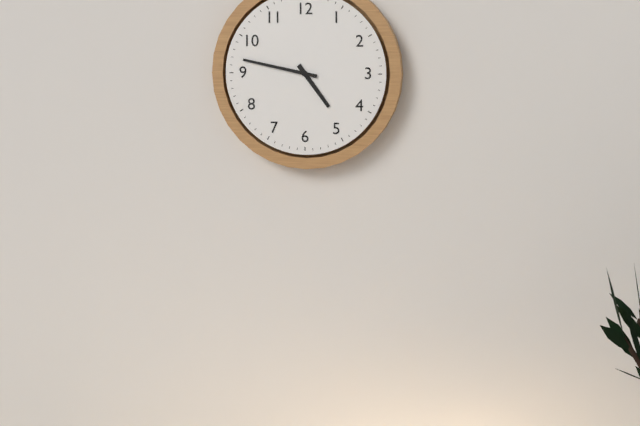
4:47
